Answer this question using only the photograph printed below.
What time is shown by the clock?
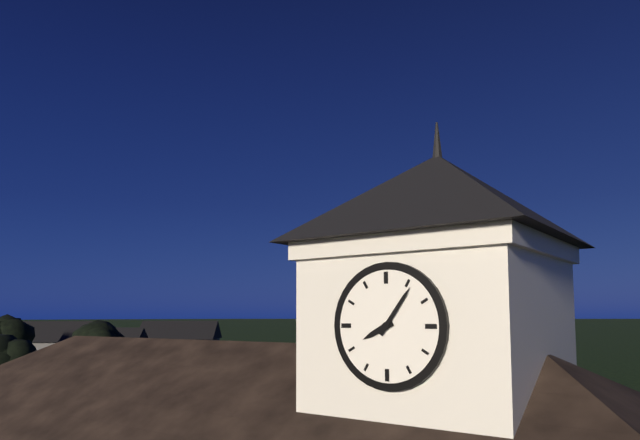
8:06
